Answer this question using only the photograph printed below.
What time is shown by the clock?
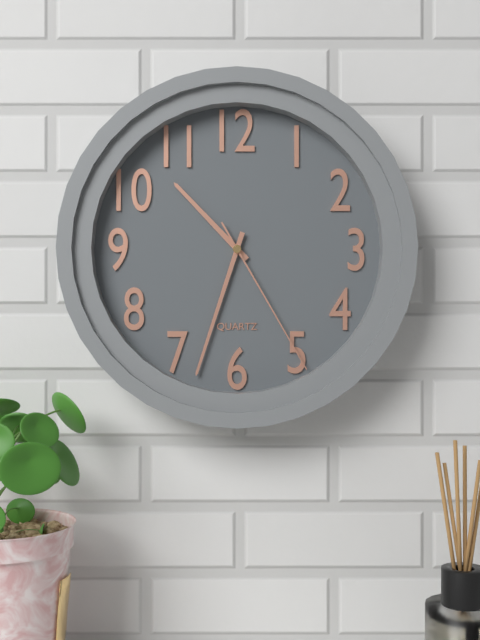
10:33:25
